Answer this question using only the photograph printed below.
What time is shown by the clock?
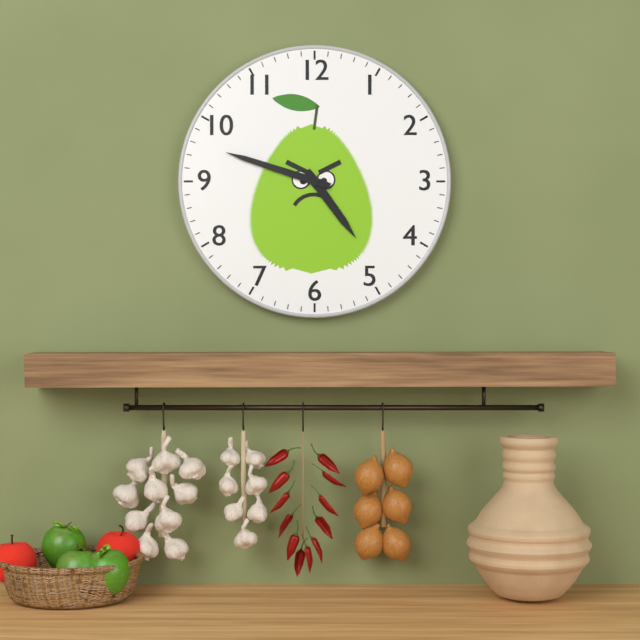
4:48
